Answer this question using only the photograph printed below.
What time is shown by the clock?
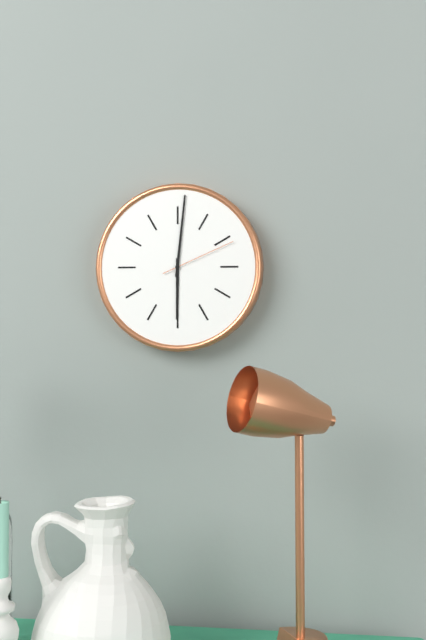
6:01:11
